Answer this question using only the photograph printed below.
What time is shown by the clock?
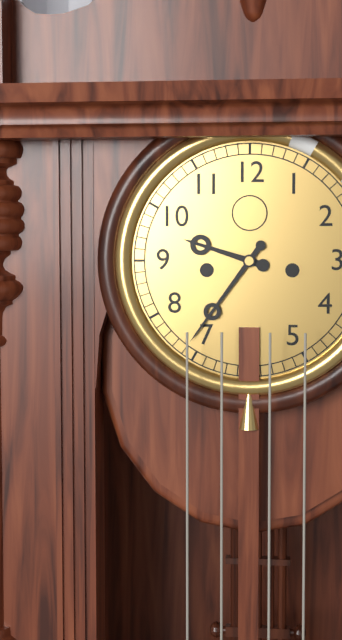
9:36
